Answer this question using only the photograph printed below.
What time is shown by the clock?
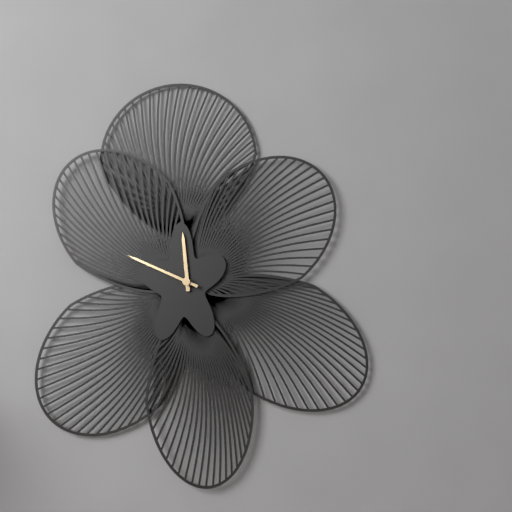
11:49
